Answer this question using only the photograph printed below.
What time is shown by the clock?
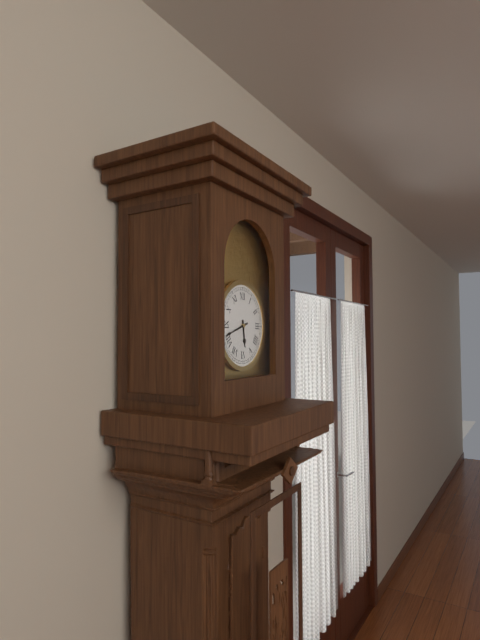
5:42
